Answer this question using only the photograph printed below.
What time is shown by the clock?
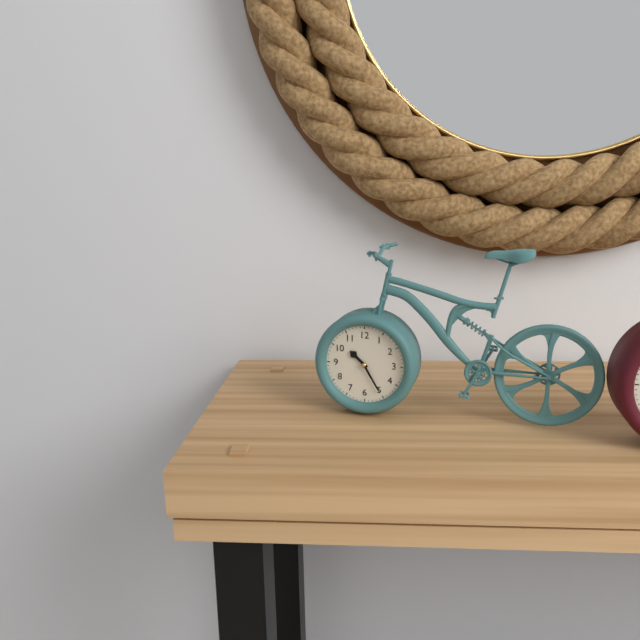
10:25
